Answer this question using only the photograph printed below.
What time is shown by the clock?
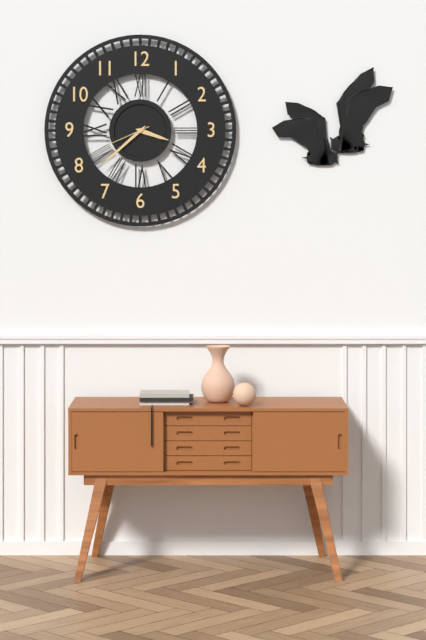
3:38
